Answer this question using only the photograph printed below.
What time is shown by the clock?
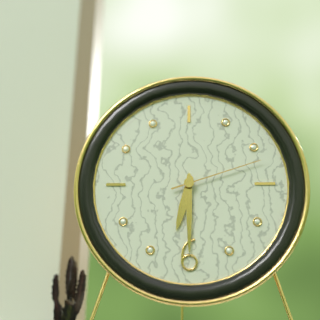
6:30:12
